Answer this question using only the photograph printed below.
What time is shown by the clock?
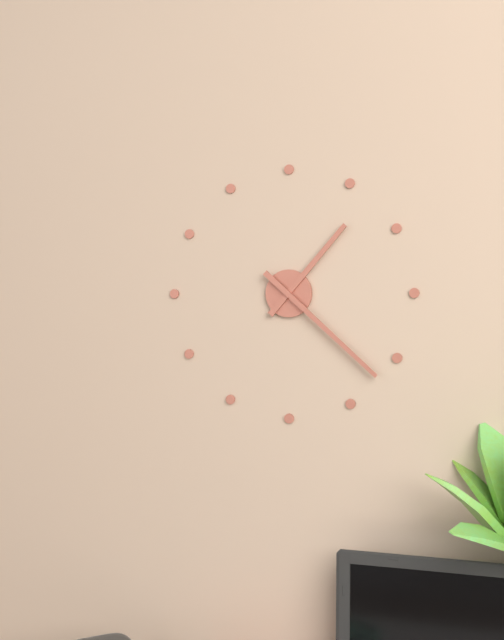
1:22
